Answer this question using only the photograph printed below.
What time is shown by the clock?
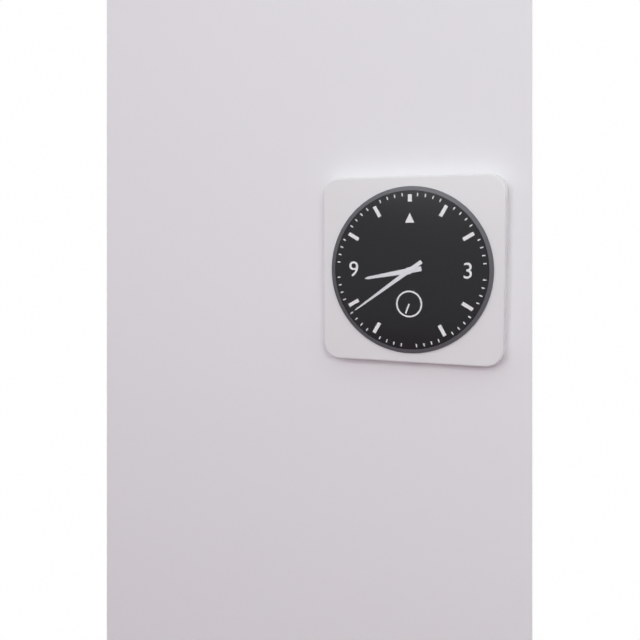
8:39
